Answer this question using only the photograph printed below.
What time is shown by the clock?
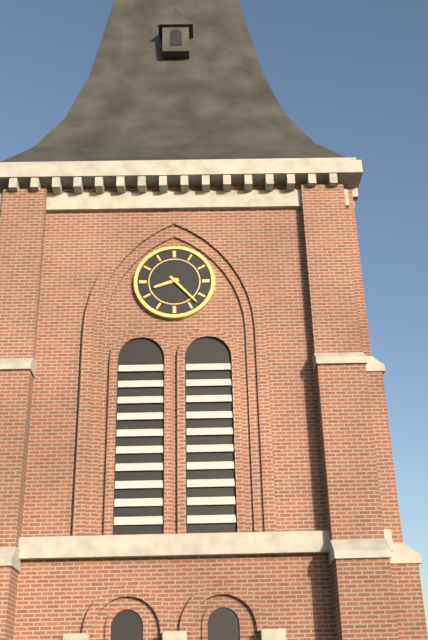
8:23
